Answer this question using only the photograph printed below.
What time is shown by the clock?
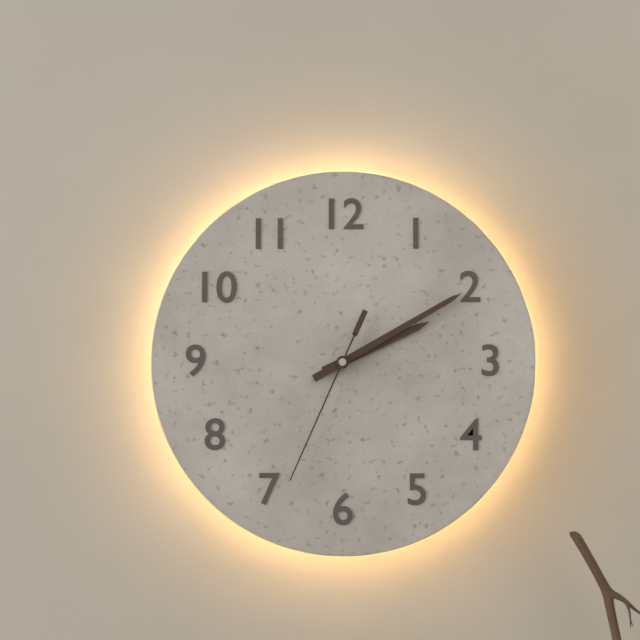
2:10:34
